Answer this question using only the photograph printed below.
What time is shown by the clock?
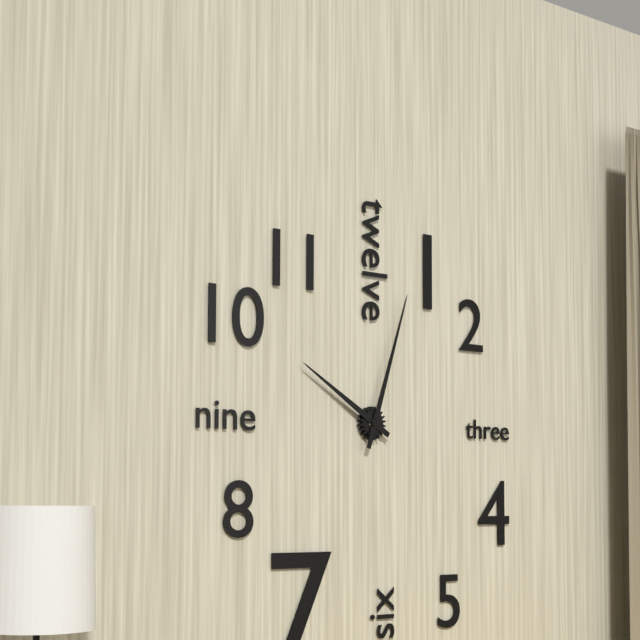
10:03
